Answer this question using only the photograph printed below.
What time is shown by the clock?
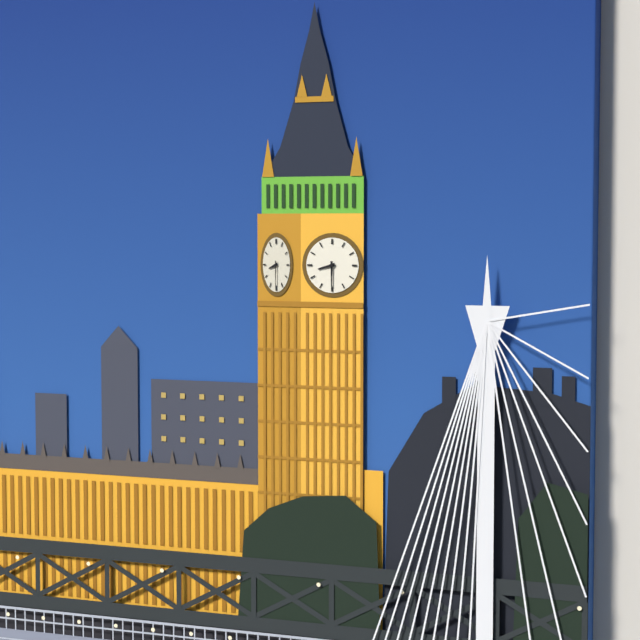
8:30
